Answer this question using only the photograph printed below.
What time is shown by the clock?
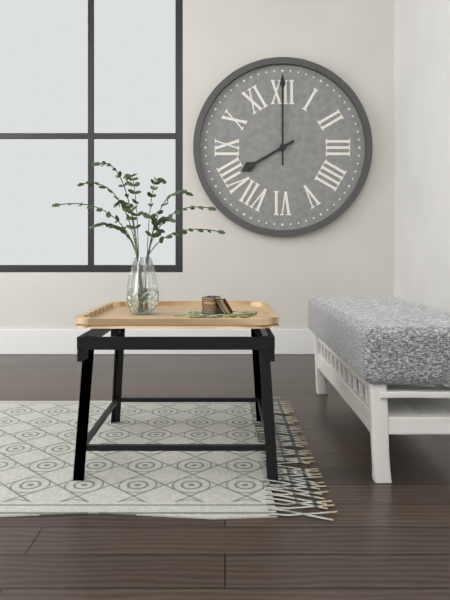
8:00
